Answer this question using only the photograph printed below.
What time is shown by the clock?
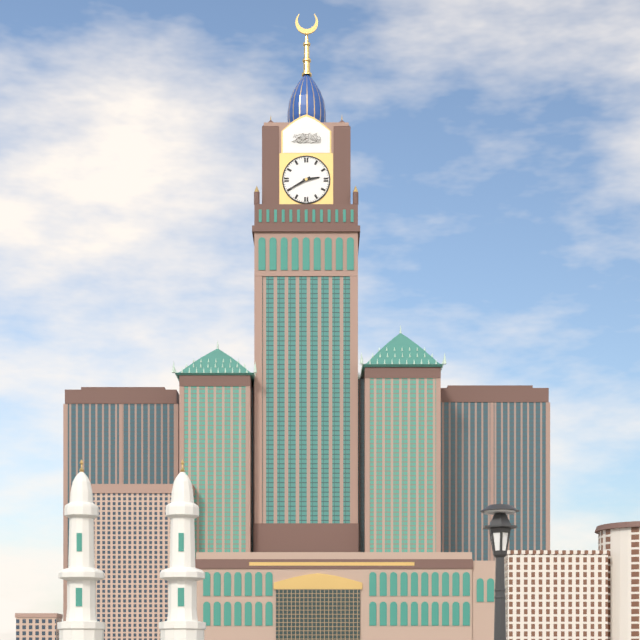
2:40
